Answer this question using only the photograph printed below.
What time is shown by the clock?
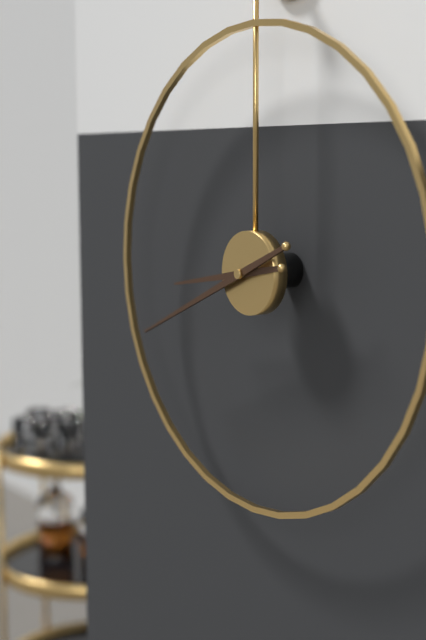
8:41
